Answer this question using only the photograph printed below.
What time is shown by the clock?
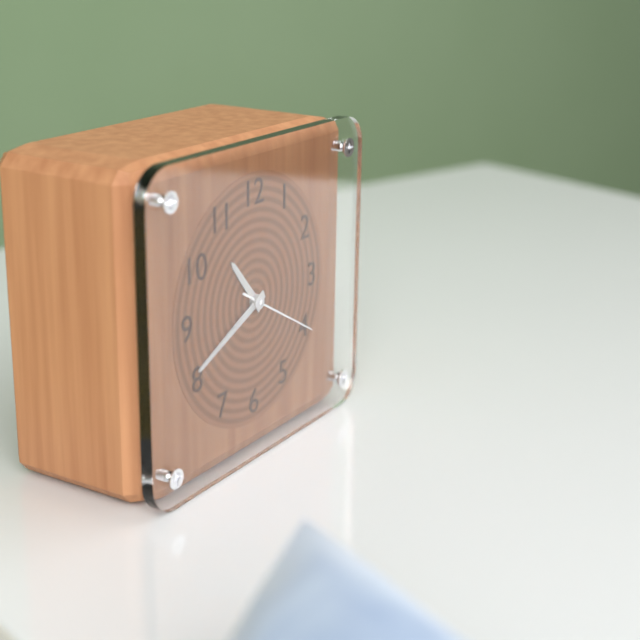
10:41:20
